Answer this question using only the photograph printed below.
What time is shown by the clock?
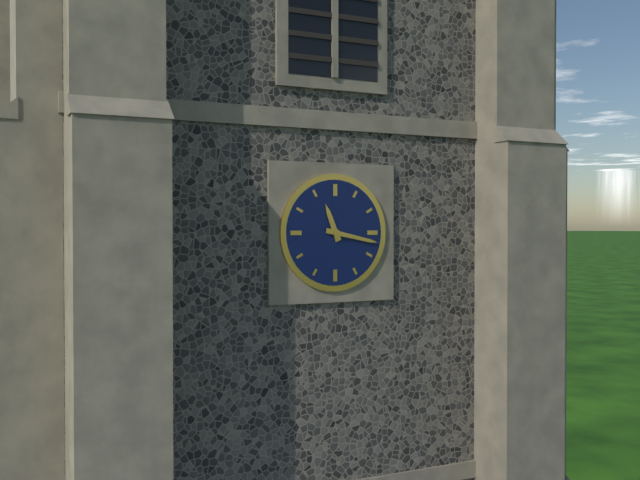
11:17
